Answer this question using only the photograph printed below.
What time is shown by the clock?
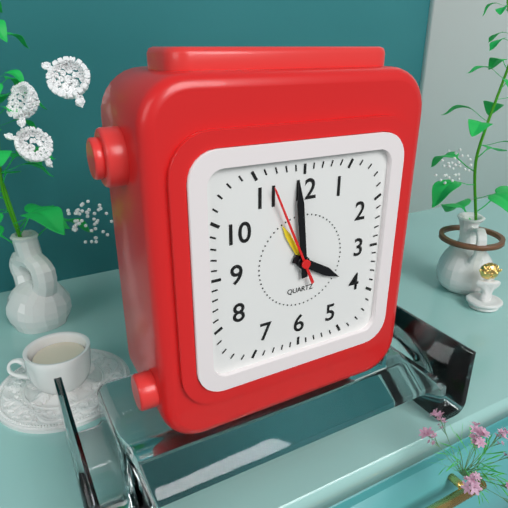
3:59:56
